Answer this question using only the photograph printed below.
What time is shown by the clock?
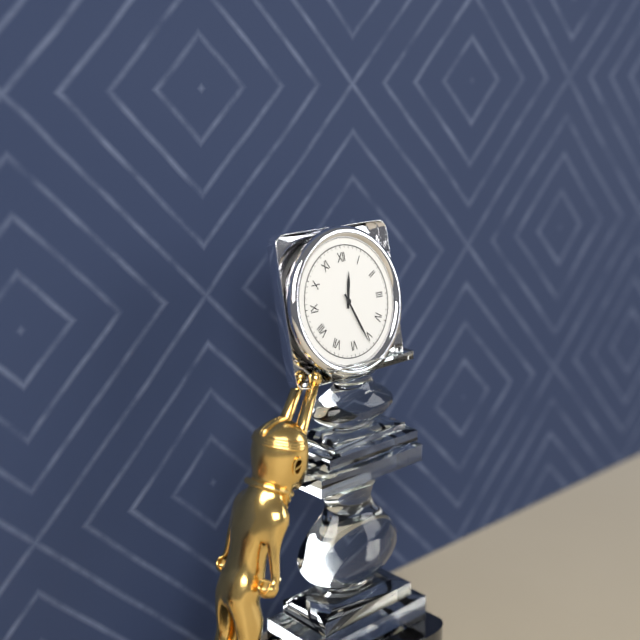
12:26
